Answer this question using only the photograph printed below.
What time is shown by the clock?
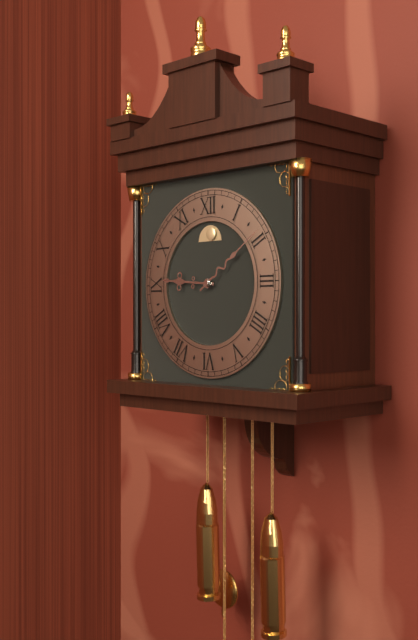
9:09
